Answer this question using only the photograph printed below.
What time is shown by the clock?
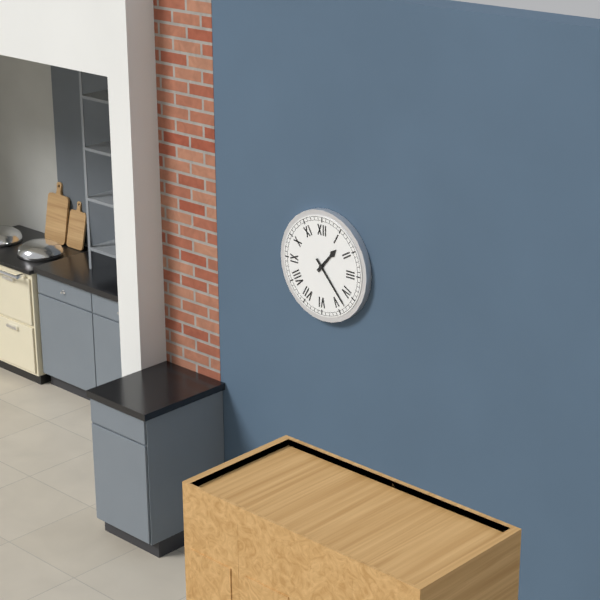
1:23
